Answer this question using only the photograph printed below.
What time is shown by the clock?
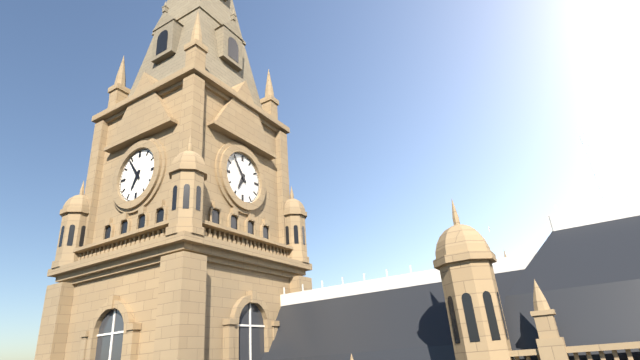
6:54
